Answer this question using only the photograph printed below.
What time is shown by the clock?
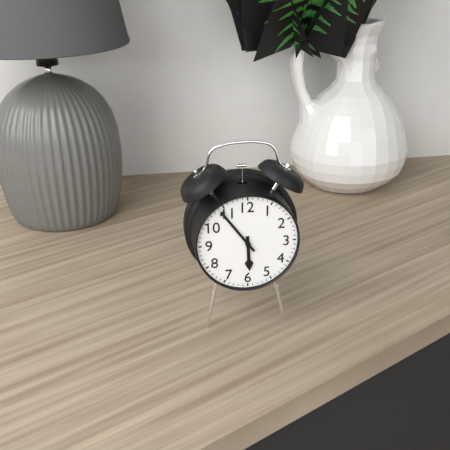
5:54
